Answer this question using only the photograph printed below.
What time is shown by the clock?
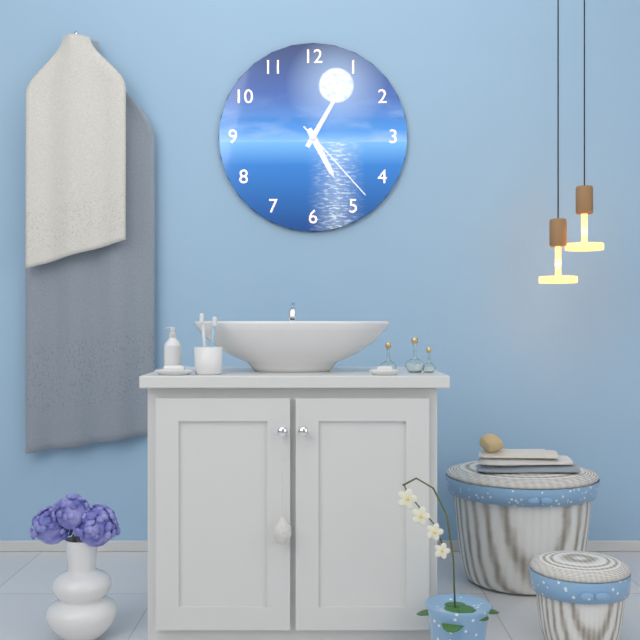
5:05:23
